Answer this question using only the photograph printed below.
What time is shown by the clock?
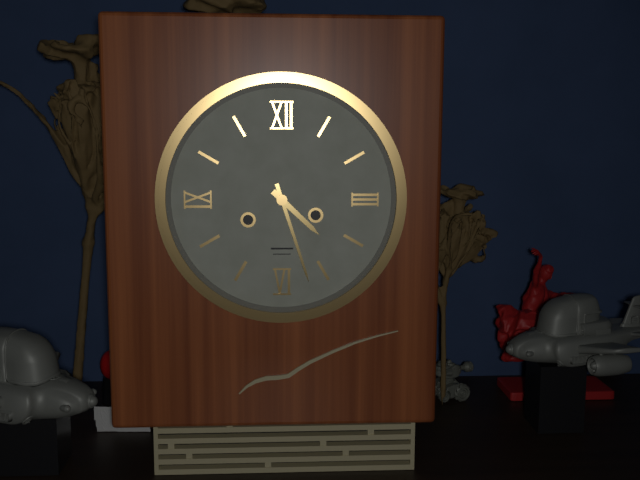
4:27
